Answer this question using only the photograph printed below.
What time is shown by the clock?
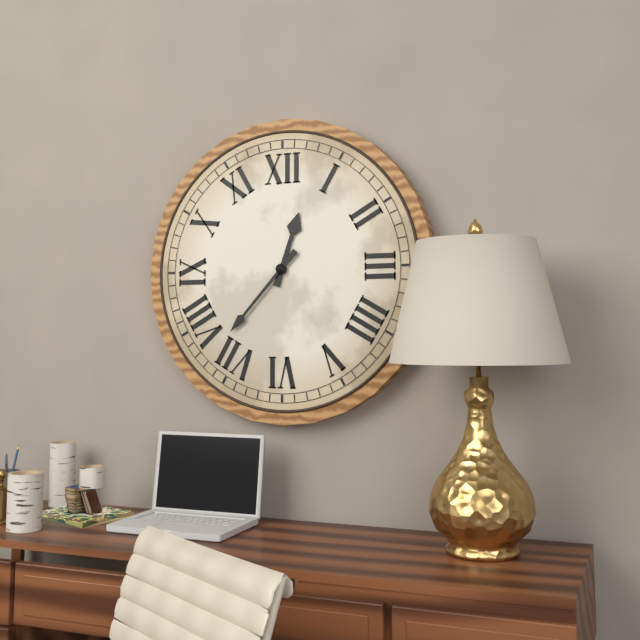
12:37
